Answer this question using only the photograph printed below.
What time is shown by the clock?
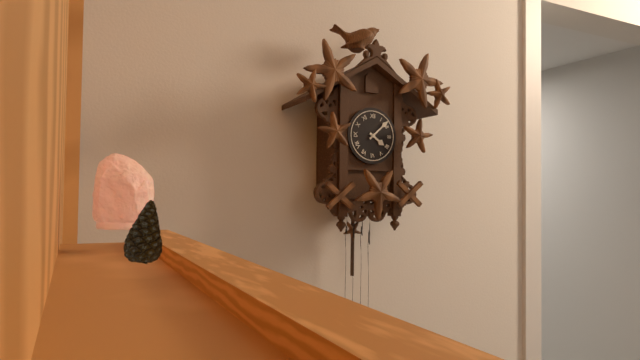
4:08
